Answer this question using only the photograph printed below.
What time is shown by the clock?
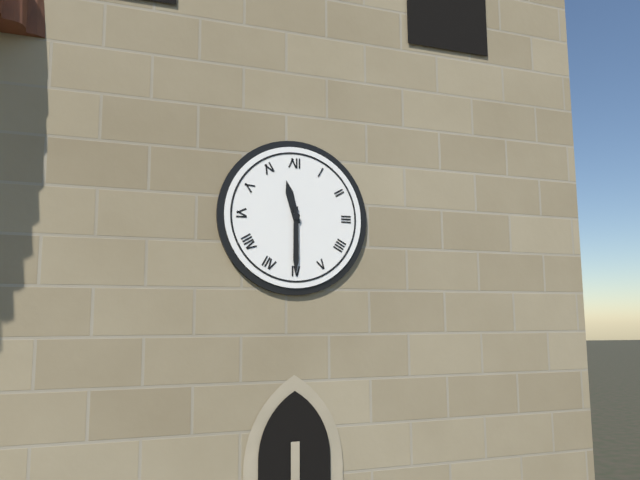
11:30
